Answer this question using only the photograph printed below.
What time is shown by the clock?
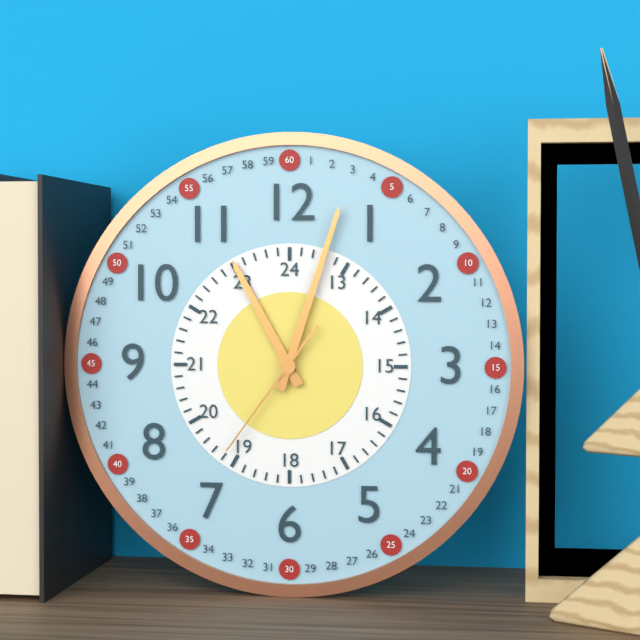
11:03:36
